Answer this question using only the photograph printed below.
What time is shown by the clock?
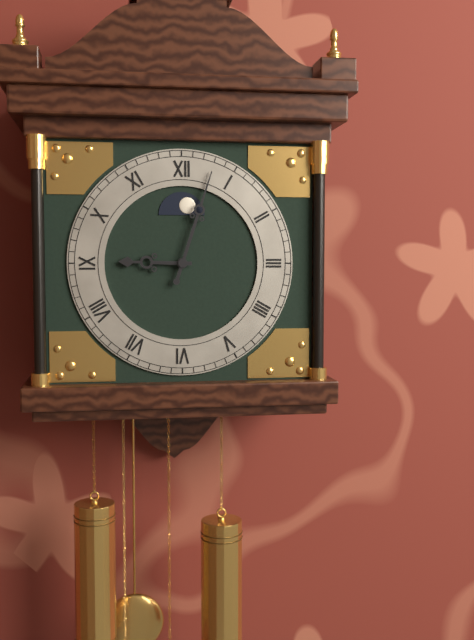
9:03
